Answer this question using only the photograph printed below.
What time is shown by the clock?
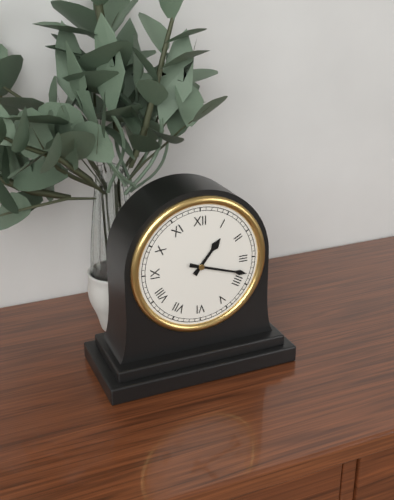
1:18
